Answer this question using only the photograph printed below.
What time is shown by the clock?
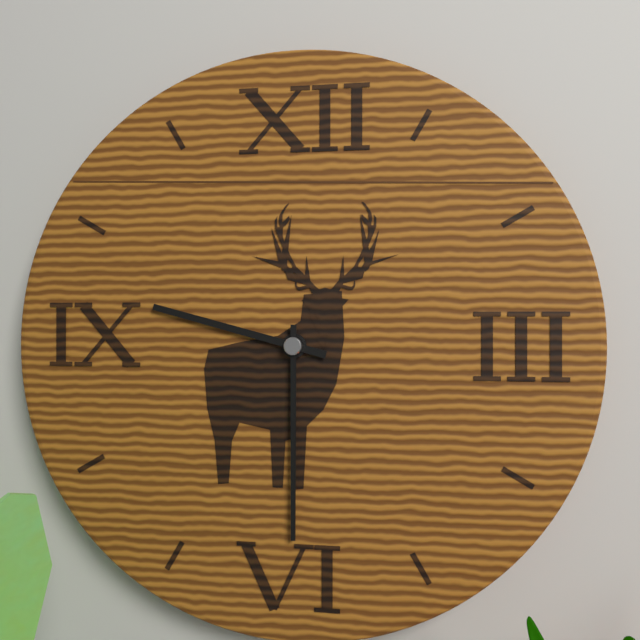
9:30
